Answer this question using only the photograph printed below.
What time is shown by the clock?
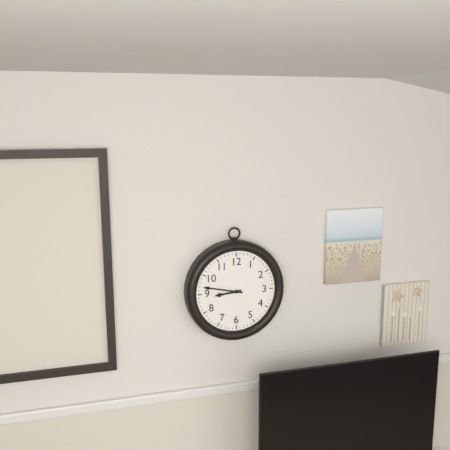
8:47
